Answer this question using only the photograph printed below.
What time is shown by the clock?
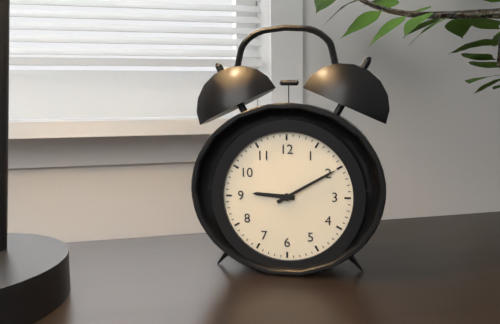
9:10
